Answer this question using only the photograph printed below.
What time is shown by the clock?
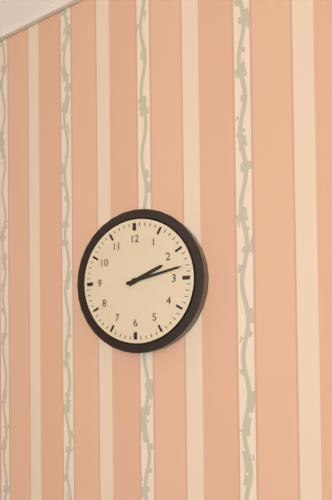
2:13
